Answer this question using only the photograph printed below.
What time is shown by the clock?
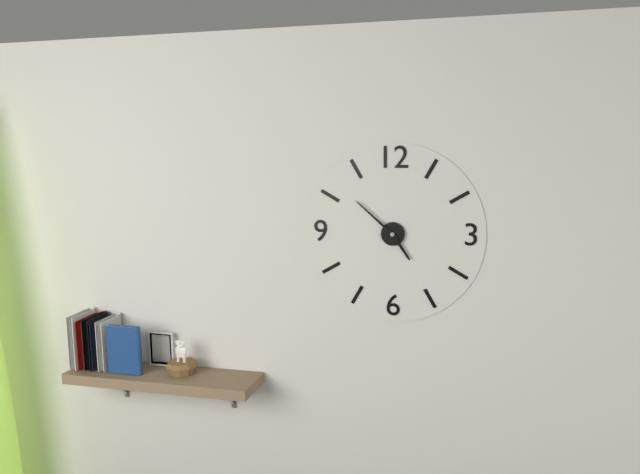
4:52
